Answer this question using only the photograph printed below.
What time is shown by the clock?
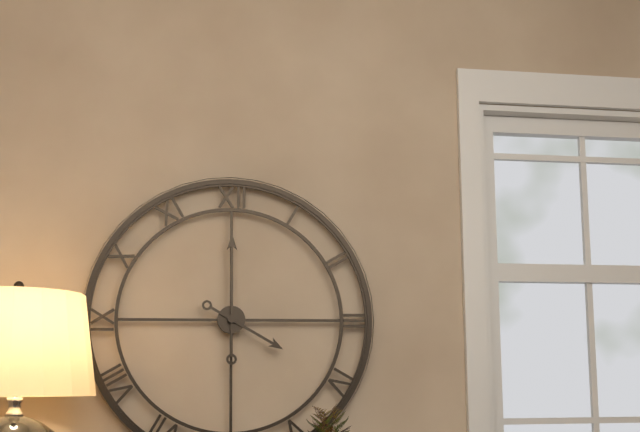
4:00
